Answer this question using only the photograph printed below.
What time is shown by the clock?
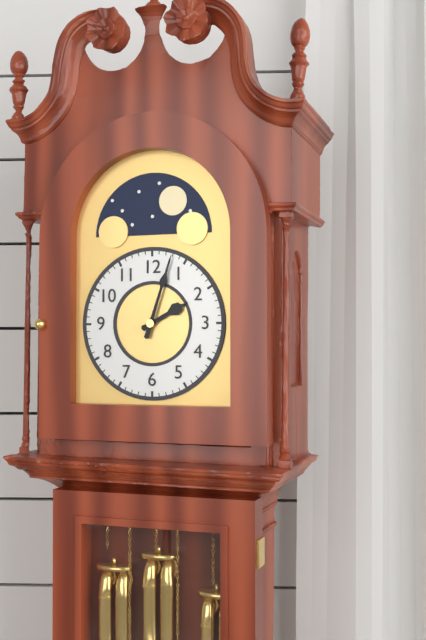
2:03
